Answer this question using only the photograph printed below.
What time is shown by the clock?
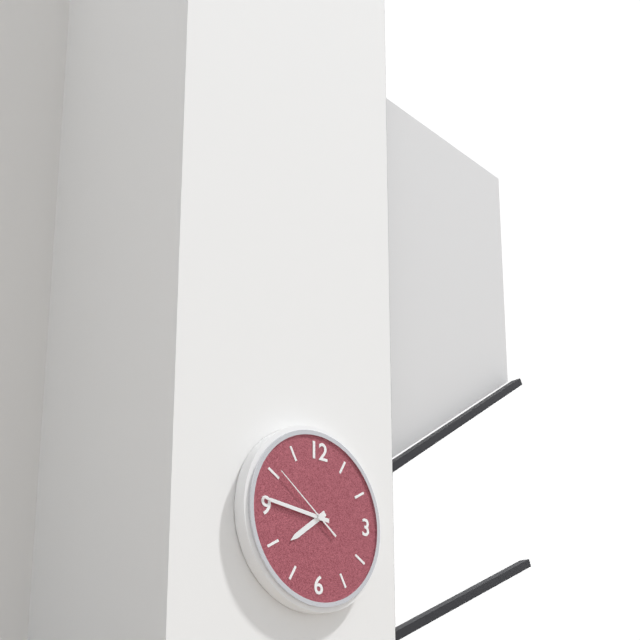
7:46:51
